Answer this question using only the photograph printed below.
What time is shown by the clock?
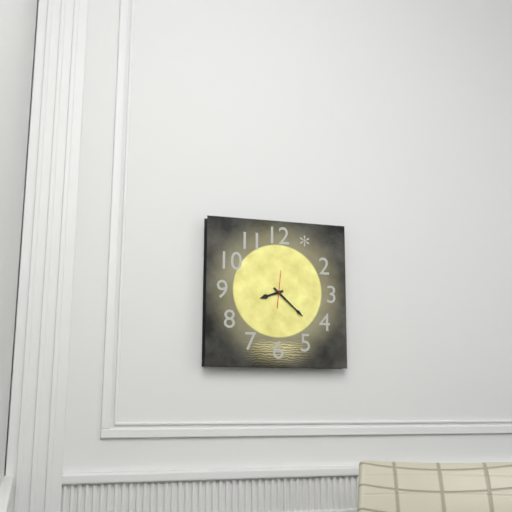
8:22
